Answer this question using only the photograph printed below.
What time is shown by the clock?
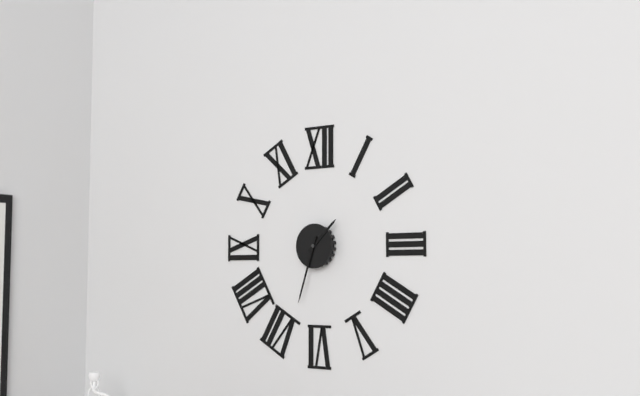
1:33
